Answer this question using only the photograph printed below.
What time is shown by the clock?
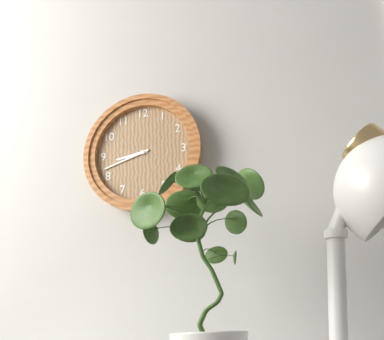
8:42
